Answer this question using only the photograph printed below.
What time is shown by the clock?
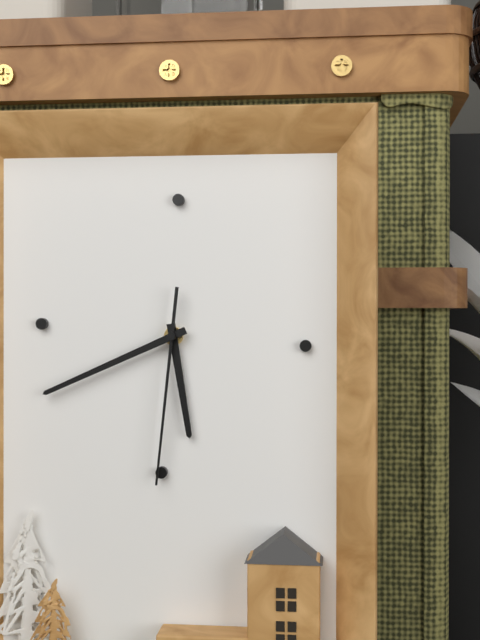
5:41:31
